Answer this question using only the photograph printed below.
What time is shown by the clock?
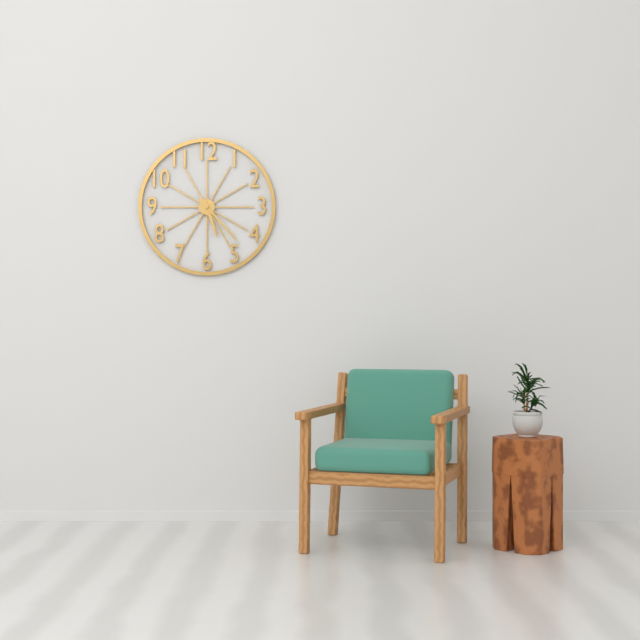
5:23
